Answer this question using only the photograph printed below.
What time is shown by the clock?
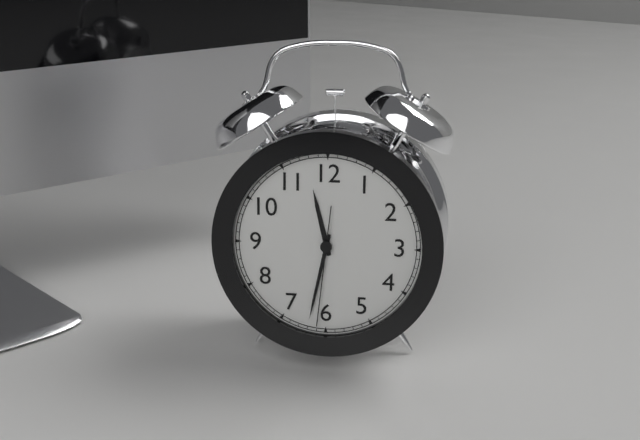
11:32:31
